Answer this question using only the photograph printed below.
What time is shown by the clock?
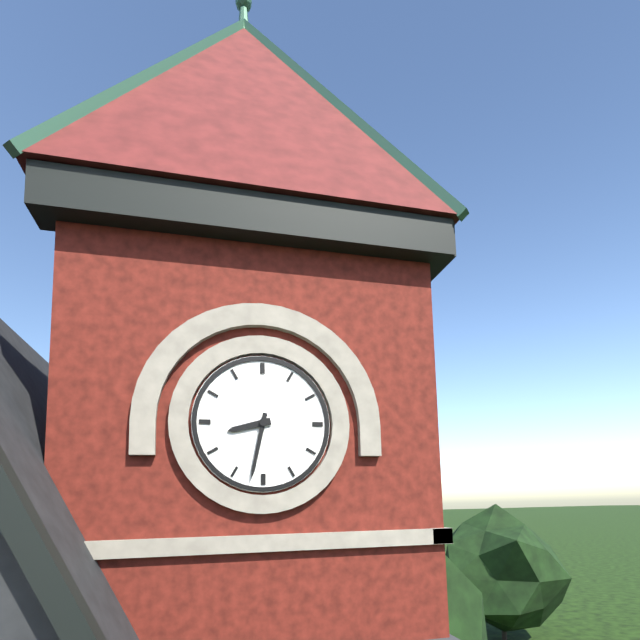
8:32
